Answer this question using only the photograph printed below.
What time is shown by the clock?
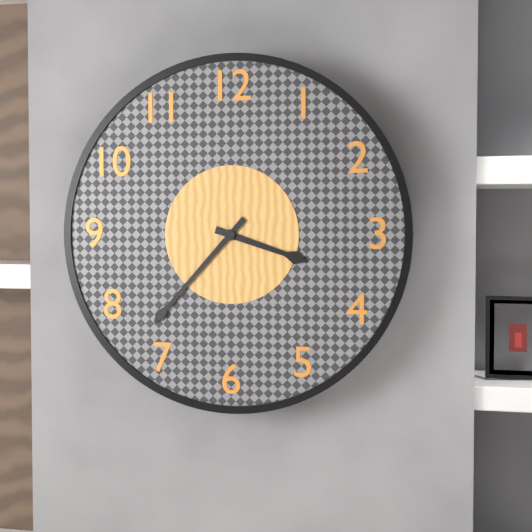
3:37
